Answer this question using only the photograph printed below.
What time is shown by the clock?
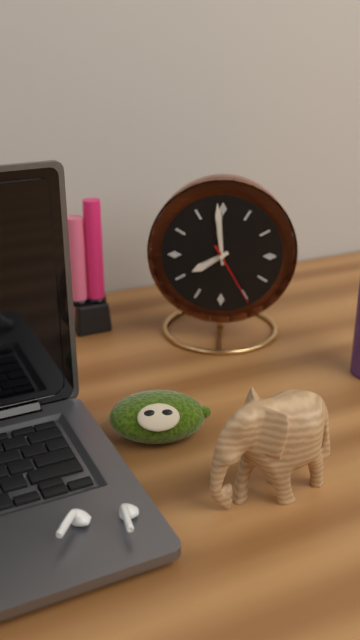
7:59:25
